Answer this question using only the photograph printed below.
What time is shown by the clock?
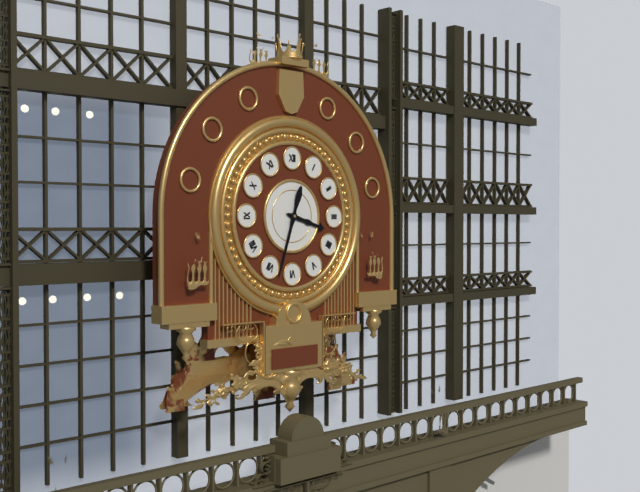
3:33
